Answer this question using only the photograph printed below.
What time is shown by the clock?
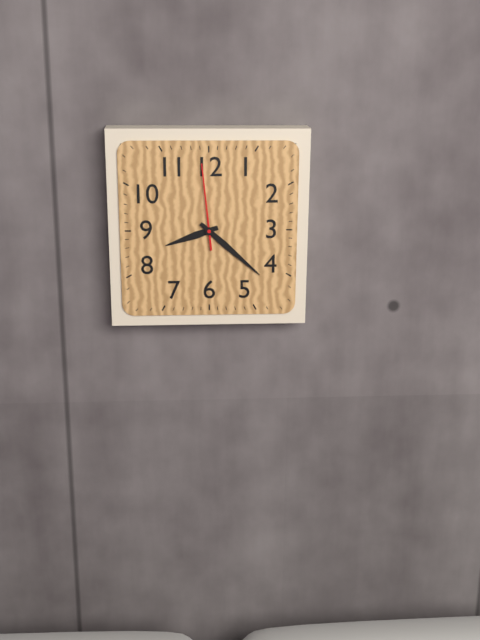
8:22:59
